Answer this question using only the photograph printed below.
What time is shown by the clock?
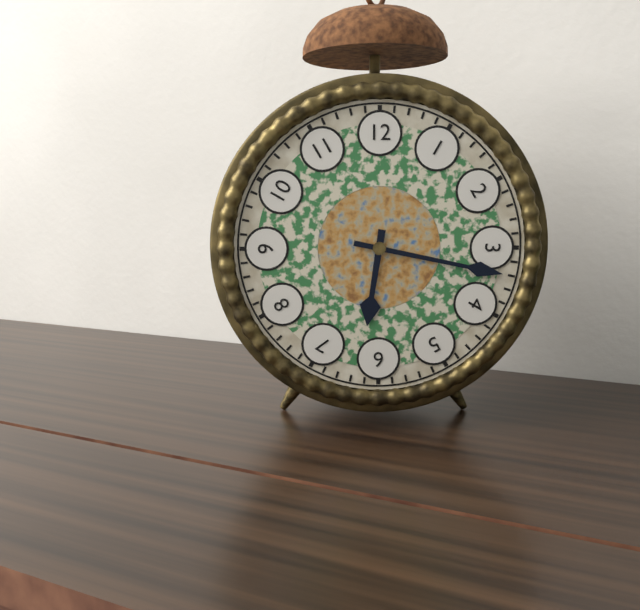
6:17
